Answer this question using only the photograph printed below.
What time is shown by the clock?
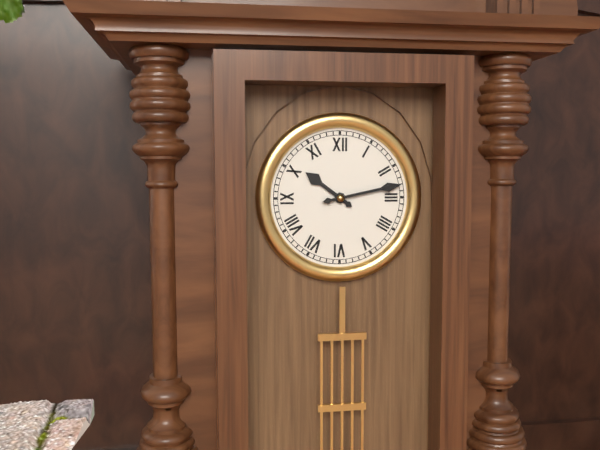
10:13
